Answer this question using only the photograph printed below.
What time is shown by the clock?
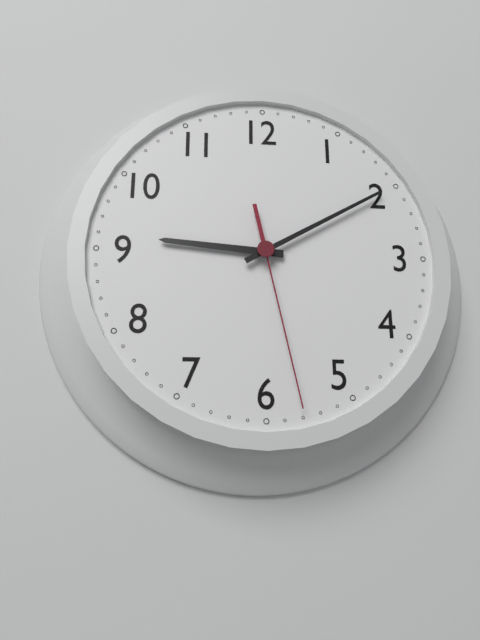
9:10:28
